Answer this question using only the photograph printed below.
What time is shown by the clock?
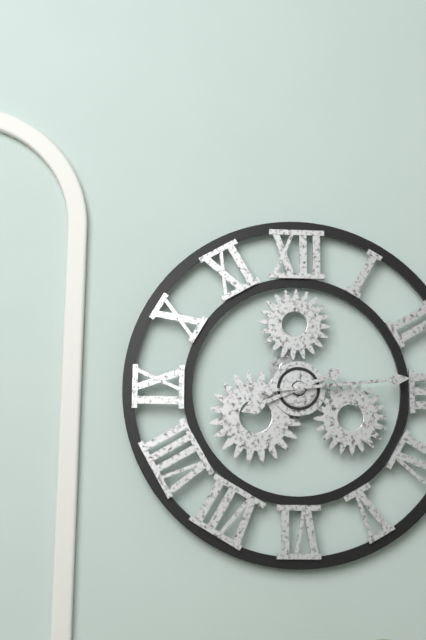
8:14
